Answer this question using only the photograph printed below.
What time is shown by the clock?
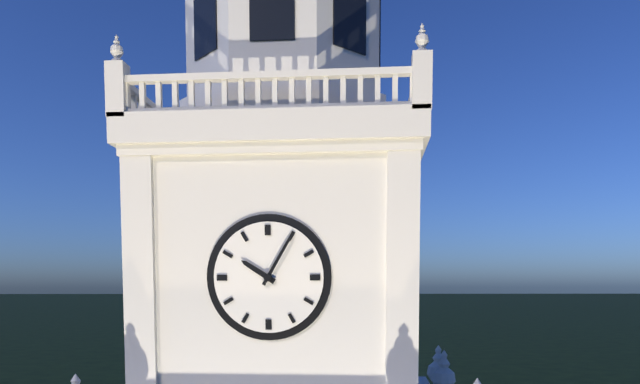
10:05
